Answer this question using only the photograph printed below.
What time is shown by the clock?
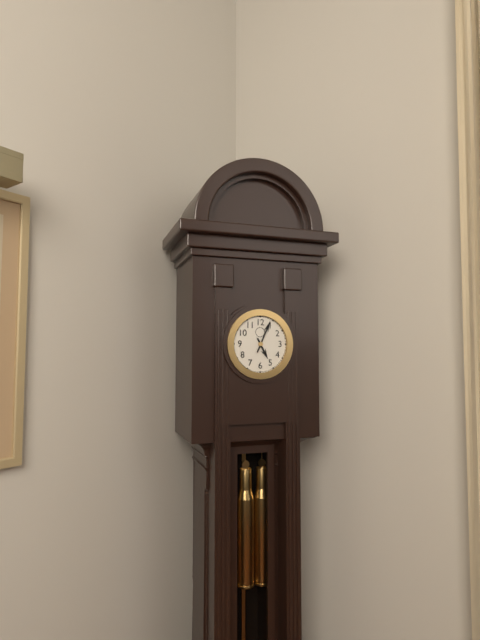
5:04
